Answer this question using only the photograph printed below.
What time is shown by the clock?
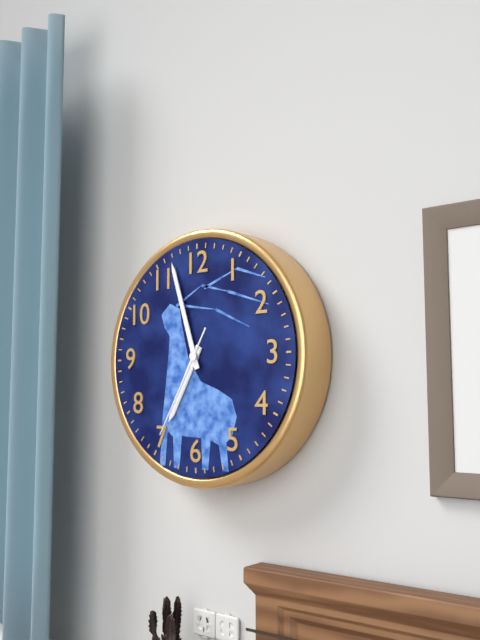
6:57:35
